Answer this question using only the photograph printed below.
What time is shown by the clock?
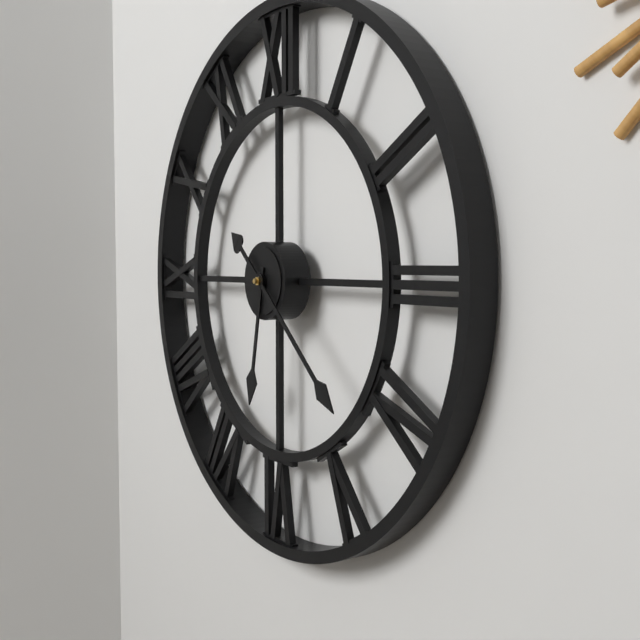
6:22
